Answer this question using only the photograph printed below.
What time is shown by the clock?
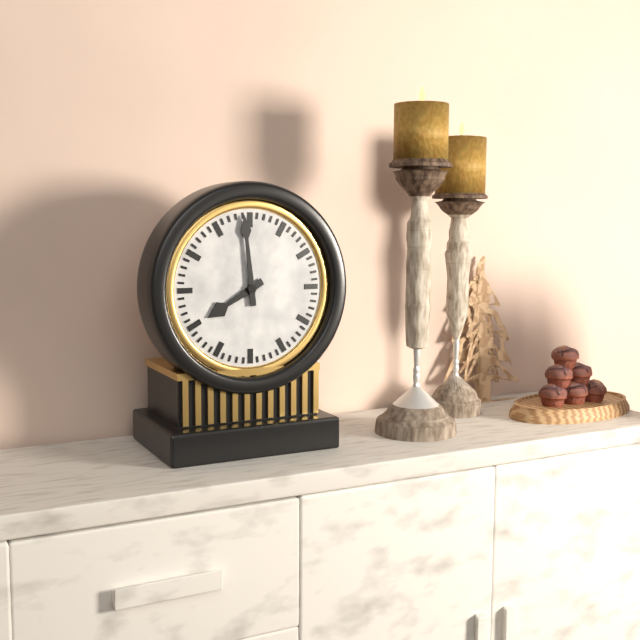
7:59
